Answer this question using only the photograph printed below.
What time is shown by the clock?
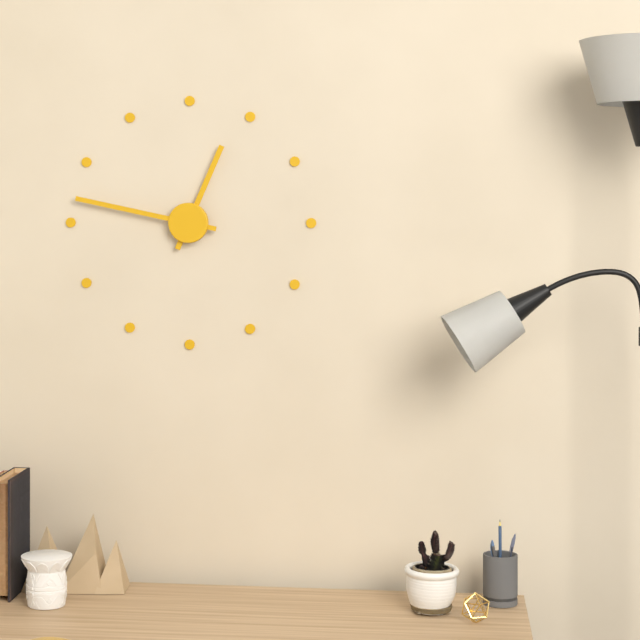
12:47
